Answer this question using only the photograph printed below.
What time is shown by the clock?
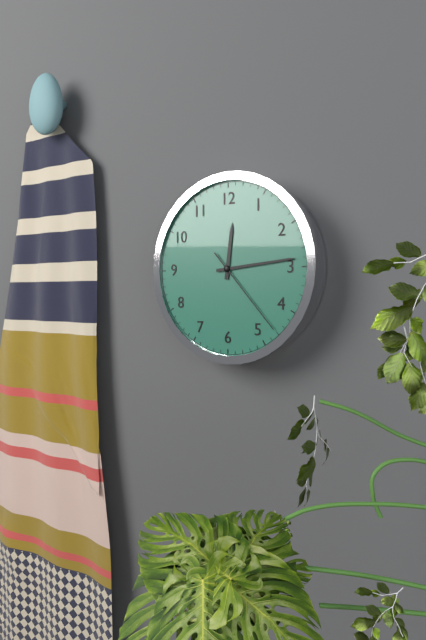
12:14:23
